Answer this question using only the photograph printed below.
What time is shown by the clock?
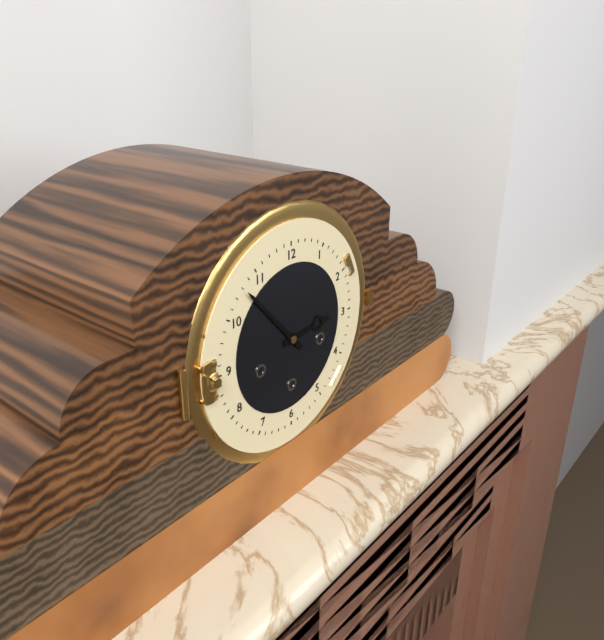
2:53
